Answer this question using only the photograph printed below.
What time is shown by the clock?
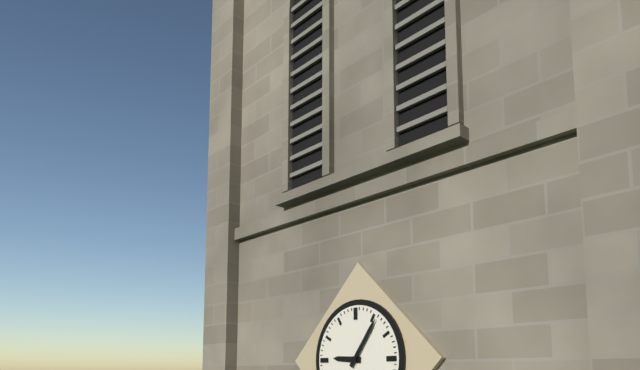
9:06
